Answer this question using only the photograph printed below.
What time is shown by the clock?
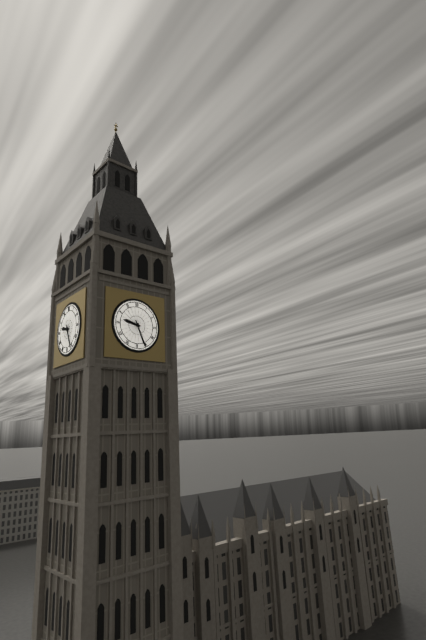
9:26
